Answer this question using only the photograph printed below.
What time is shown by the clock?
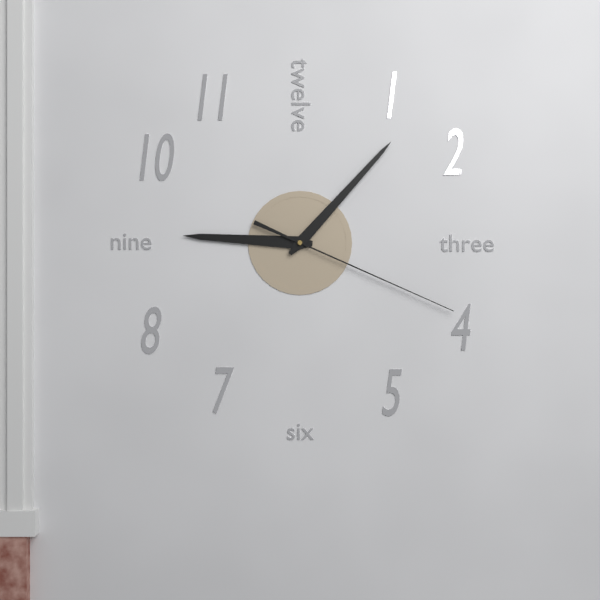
9:07:19
